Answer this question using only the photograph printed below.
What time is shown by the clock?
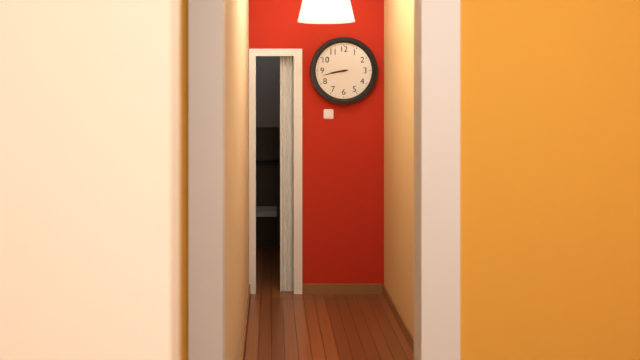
8:43
